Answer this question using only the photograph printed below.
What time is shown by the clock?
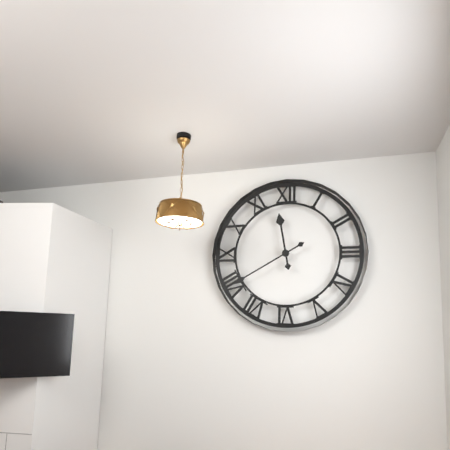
11:40
